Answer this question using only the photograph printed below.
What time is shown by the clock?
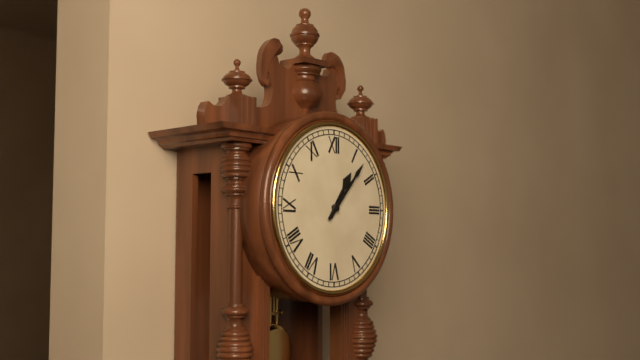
1:07
